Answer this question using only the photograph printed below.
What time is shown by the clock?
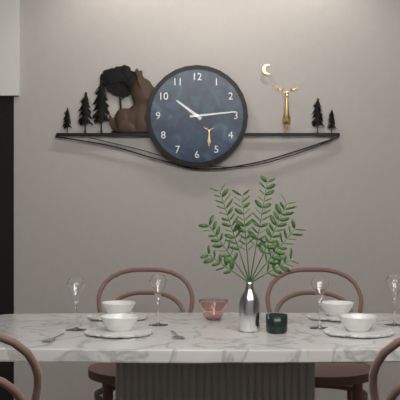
10:14
